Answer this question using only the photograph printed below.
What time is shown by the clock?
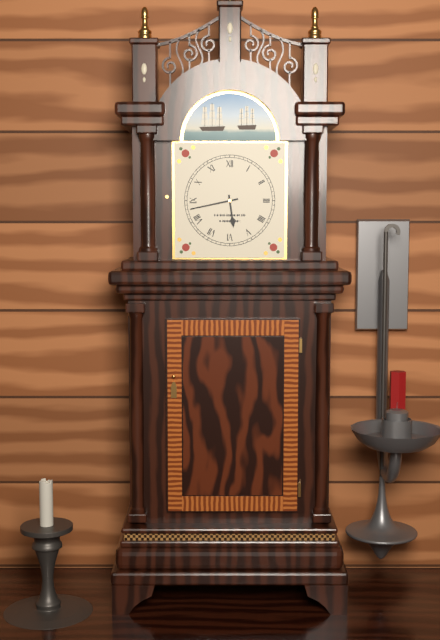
5:43
